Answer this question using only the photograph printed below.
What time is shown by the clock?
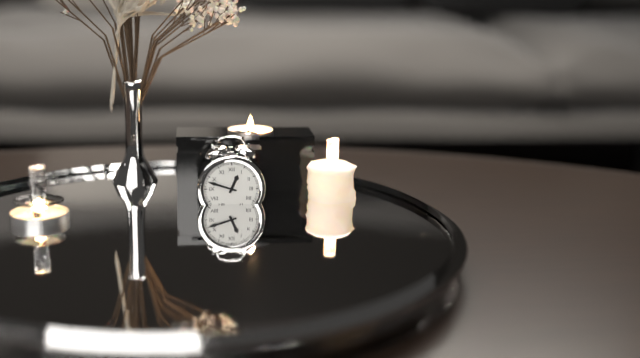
12:48
